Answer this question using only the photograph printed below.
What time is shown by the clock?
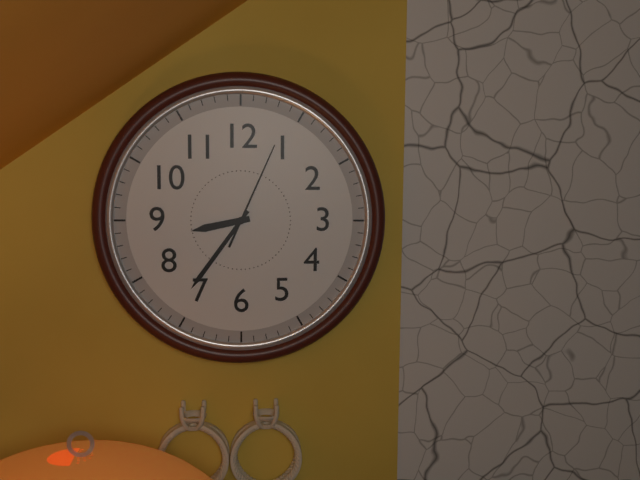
8:36:04
